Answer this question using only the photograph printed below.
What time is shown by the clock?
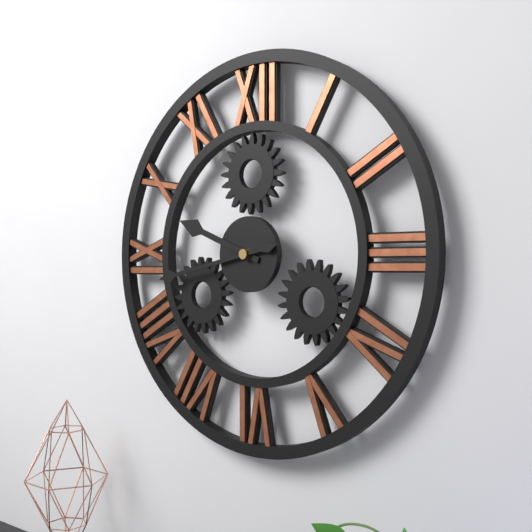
9:43
